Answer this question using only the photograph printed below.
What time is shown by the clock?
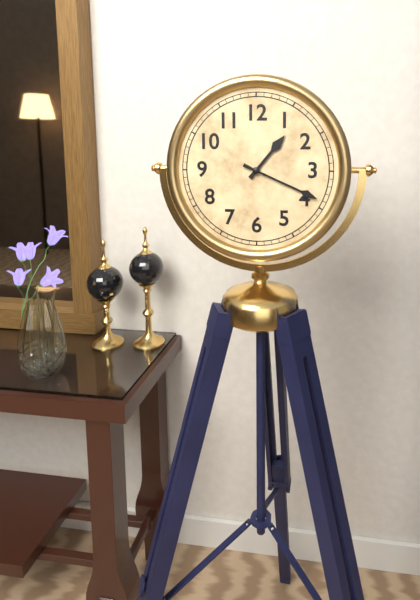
1:19
